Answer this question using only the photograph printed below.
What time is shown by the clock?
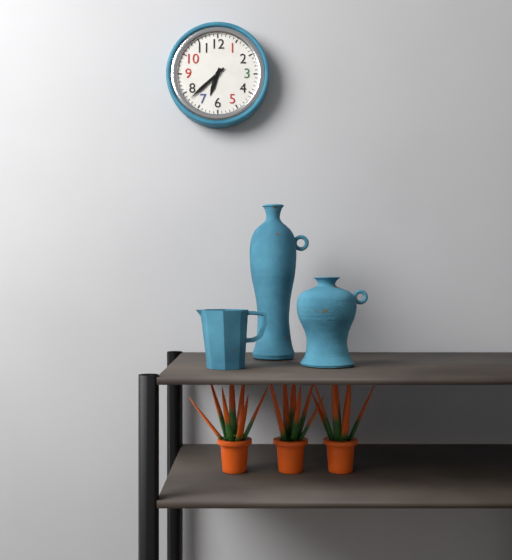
6:38
